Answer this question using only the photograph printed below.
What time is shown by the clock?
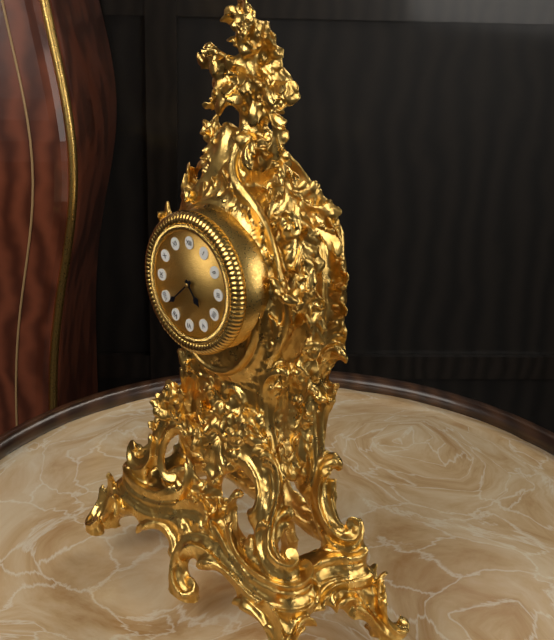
4:38
